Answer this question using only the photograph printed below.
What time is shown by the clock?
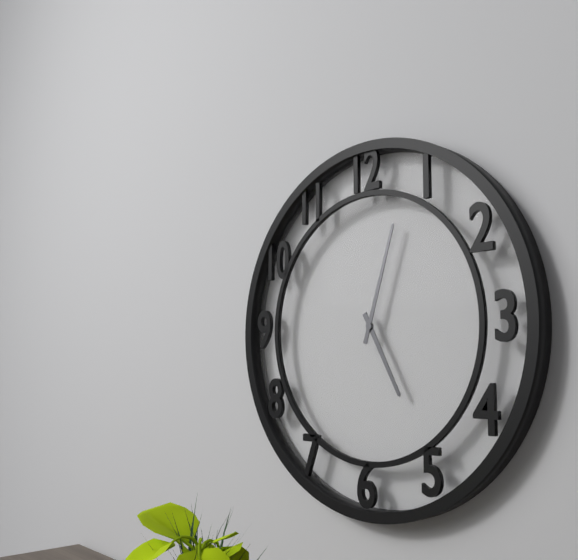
5:03
